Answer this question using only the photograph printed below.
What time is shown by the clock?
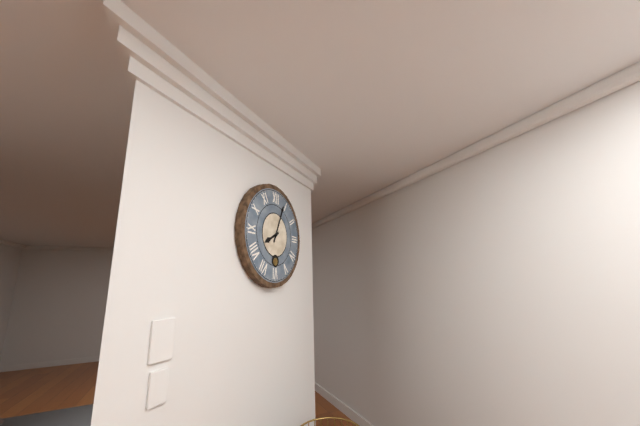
8:04
